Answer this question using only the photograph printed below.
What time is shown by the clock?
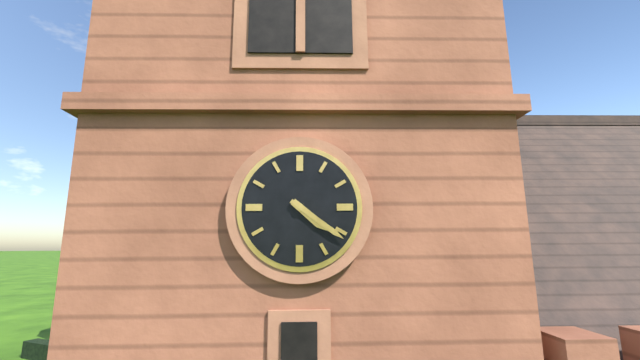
4:21
